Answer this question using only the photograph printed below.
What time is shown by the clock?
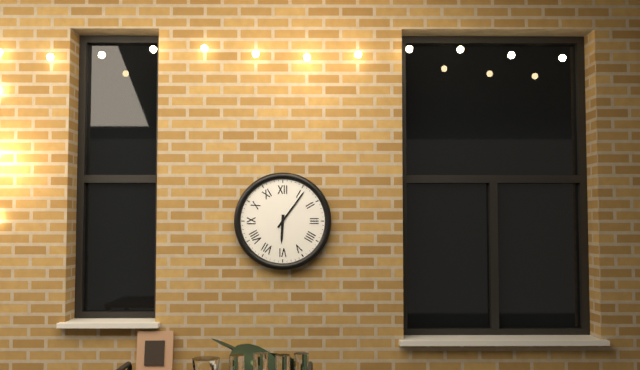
6:06
